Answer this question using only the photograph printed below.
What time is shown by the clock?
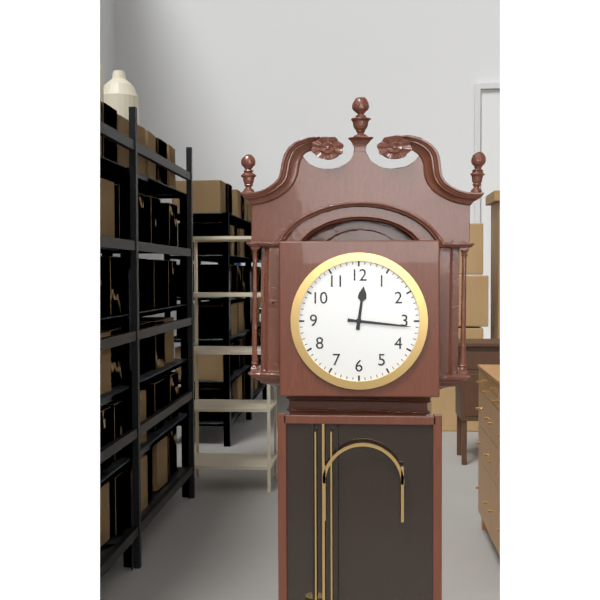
12:16
